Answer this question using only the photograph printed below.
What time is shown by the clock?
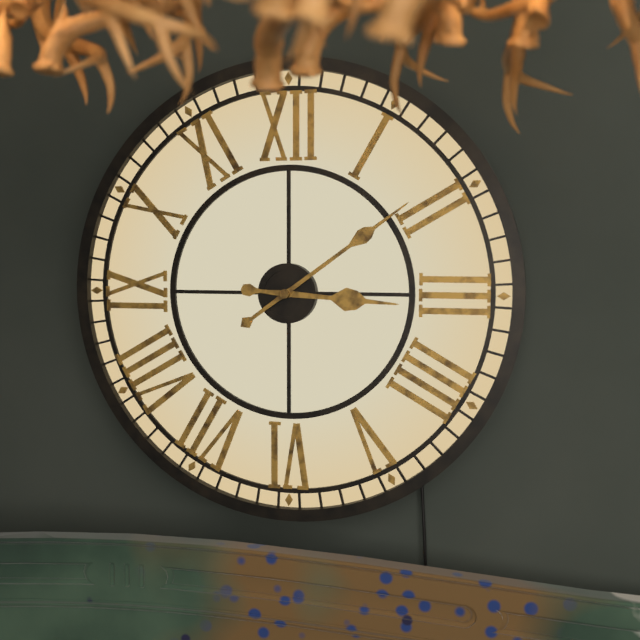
3:09
